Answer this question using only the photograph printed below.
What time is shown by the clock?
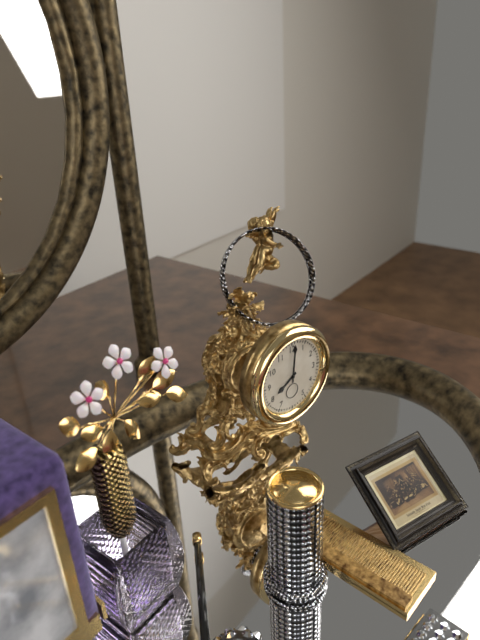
8:01
